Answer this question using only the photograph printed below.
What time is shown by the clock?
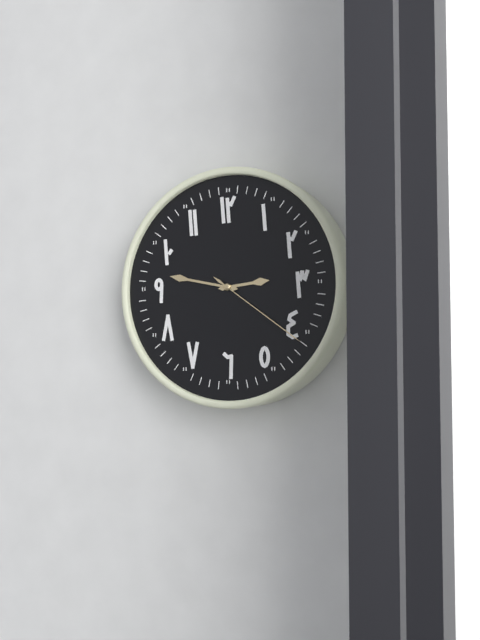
2:47:21
